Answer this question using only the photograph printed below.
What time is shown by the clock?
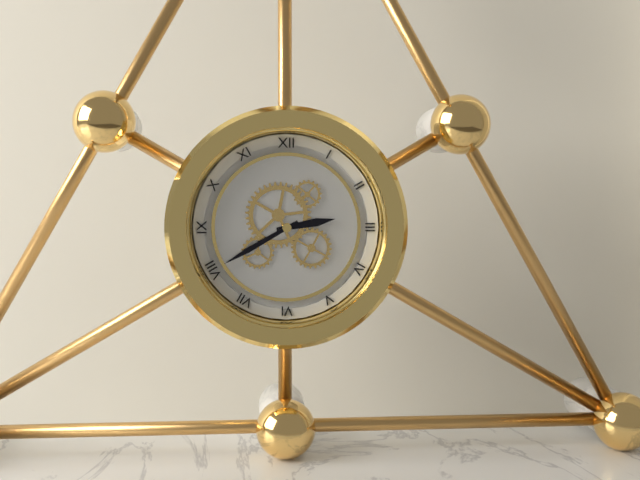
2:40
